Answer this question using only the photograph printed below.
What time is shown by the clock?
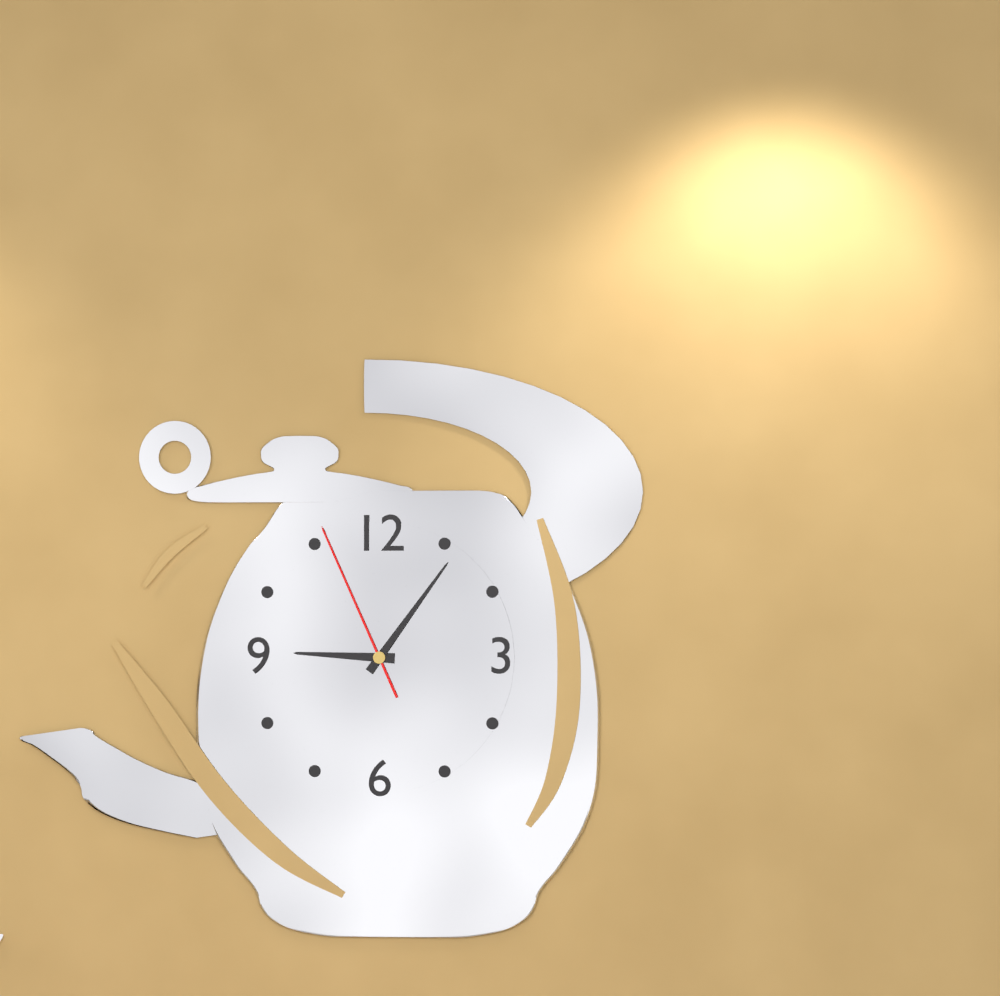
9:06:56
